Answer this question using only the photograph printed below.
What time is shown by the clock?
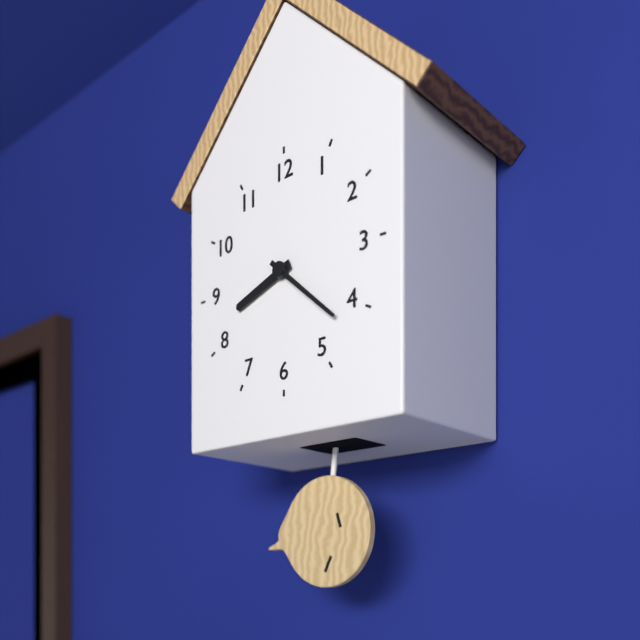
8:22
